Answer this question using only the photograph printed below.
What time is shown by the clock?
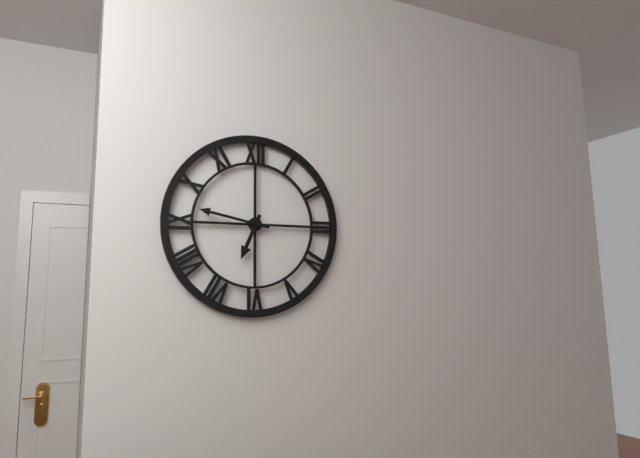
6:47
